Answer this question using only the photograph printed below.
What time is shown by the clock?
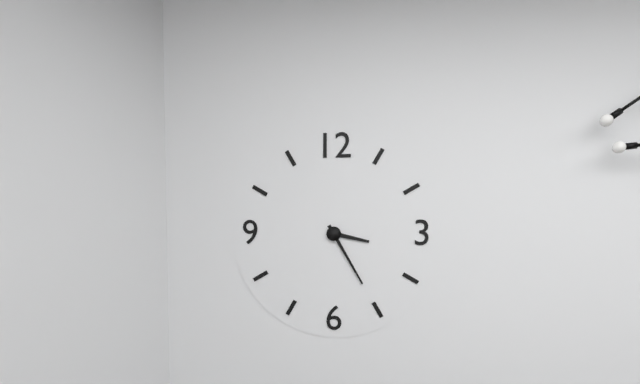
3:25
